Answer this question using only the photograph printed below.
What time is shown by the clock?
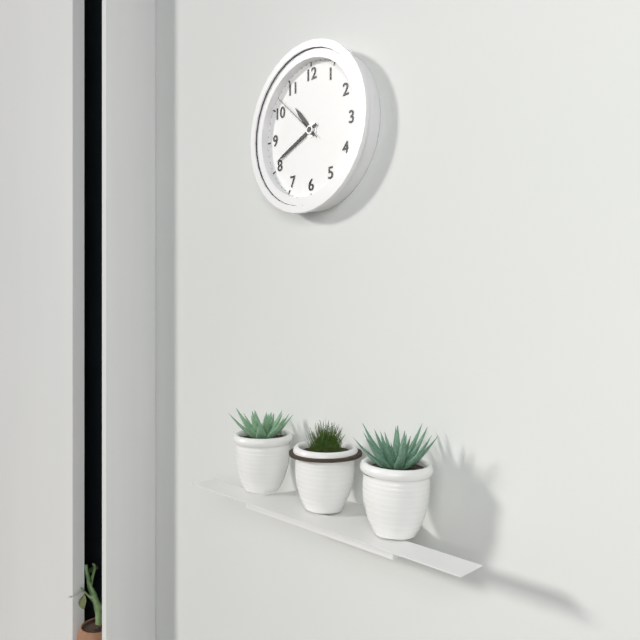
10:41:52
